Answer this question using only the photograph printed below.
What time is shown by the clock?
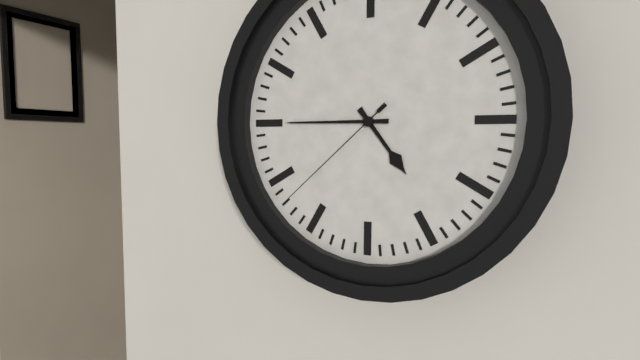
4:45:38
